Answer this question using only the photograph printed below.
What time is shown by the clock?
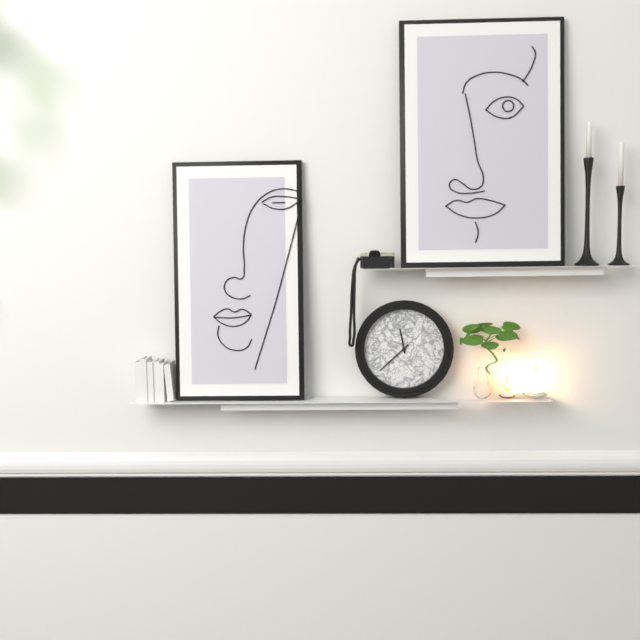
11:38
